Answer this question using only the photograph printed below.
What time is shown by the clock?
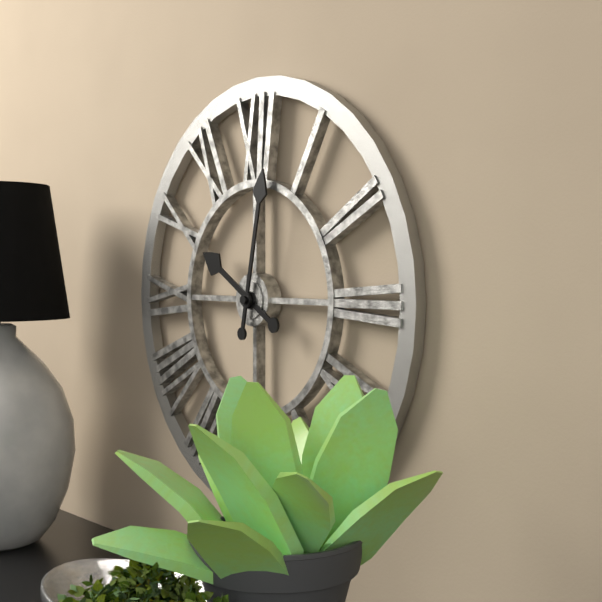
10:02
